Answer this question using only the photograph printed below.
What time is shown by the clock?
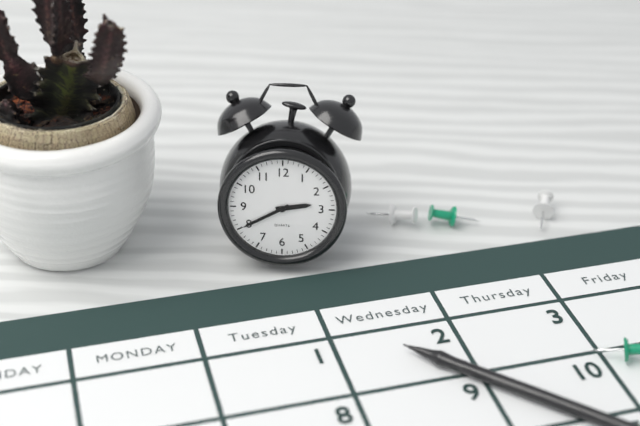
2:40
